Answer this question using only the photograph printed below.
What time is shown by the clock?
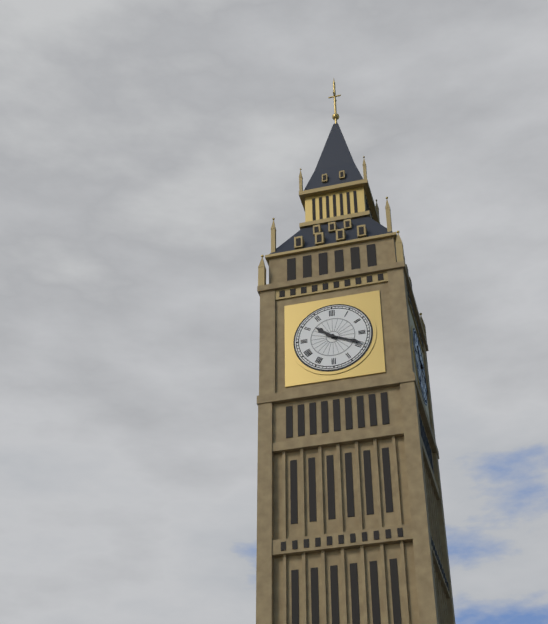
10:19
